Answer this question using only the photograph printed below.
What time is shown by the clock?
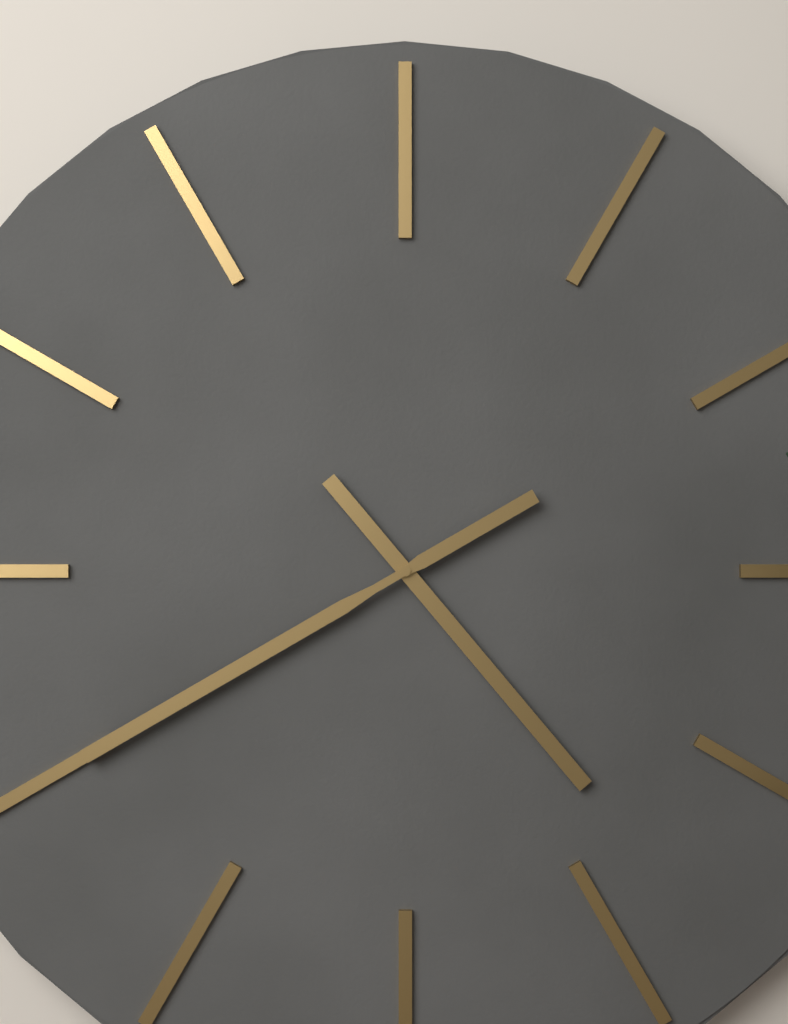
4:40
